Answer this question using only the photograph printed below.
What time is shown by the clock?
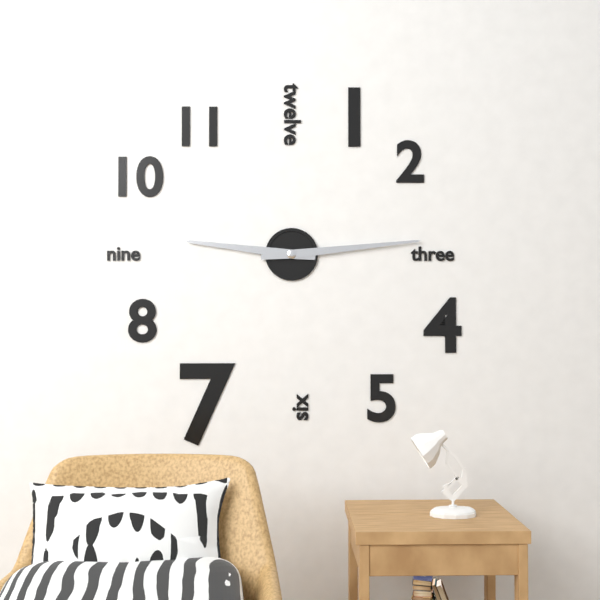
9:14
